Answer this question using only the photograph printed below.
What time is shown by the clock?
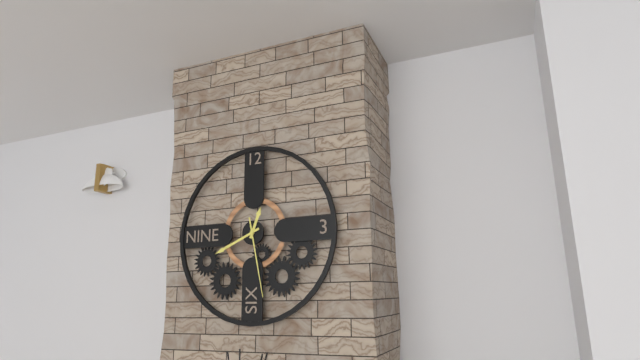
12:41:28
